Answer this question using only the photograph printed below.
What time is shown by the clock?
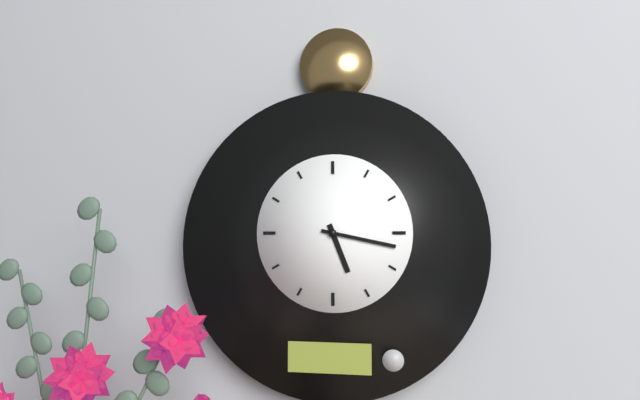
5:17
